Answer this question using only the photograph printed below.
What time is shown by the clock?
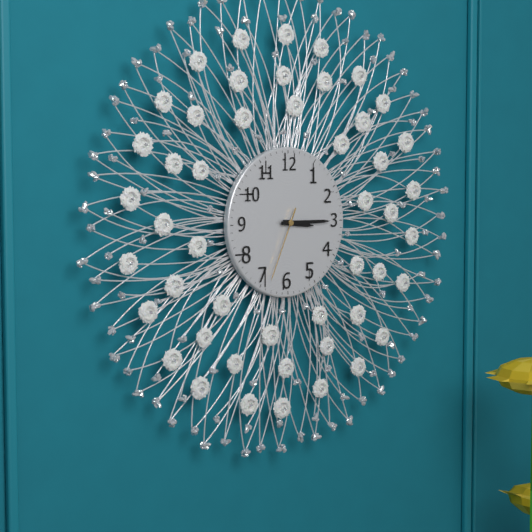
3:15:34
